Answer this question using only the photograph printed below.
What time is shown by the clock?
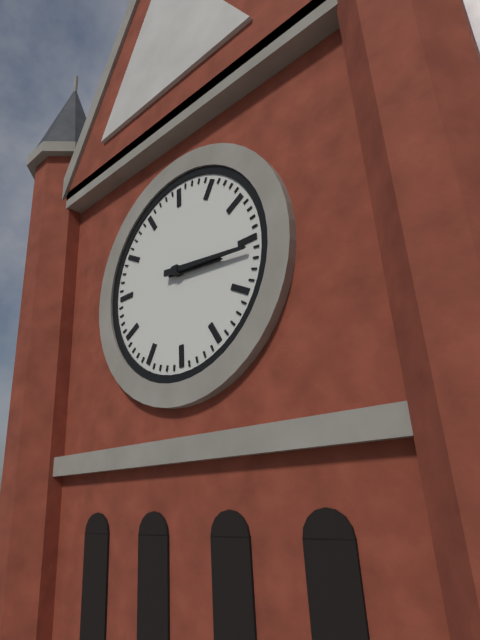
3:16
